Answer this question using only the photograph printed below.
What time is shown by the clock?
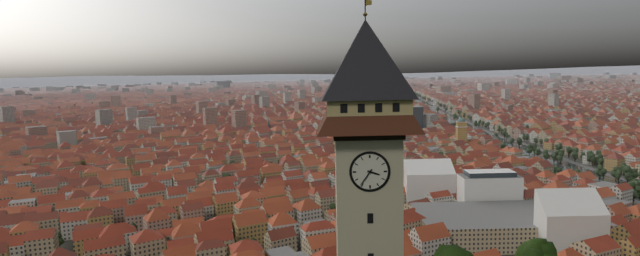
3:36
